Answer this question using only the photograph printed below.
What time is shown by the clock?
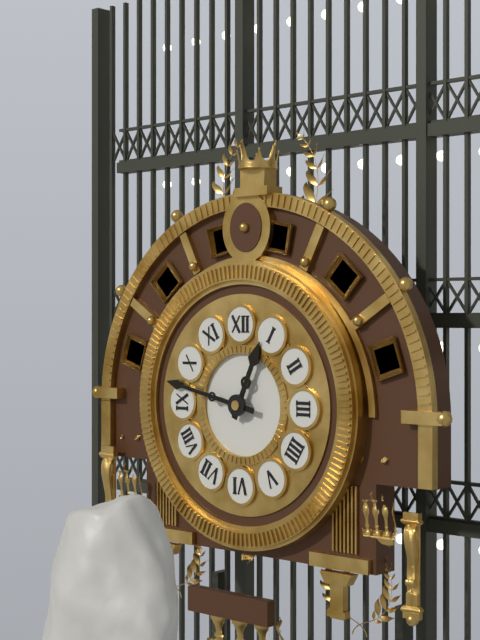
12:47
